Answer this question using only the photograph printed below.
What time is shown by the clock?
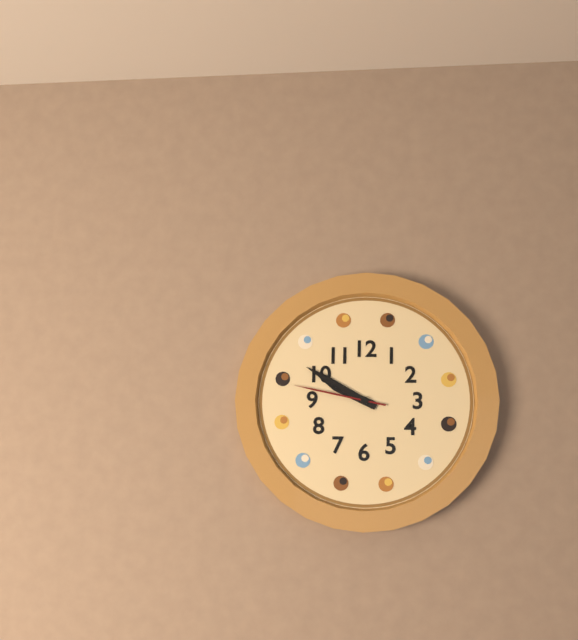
9:50:47
